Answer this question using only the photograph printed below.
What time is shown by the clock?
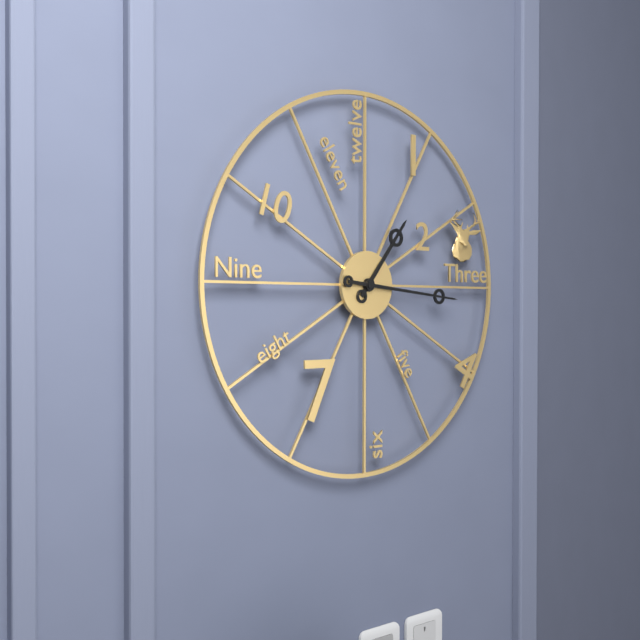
1:16
